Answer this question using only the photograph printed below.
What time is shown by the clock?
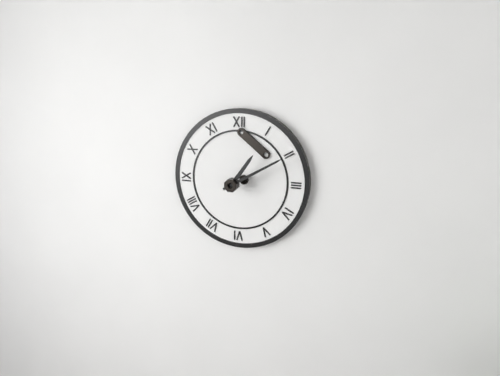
1:10
